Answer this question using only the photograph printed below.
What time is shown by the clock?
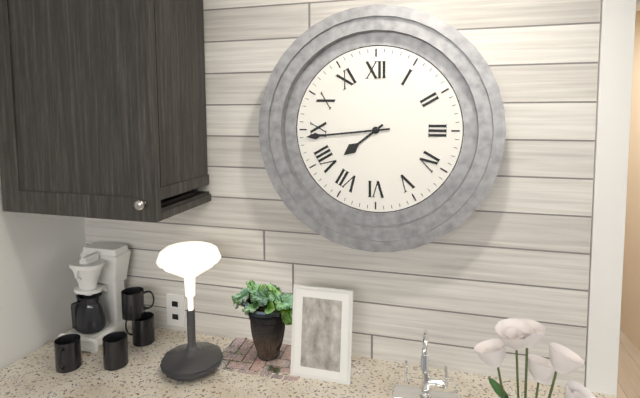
7:44
